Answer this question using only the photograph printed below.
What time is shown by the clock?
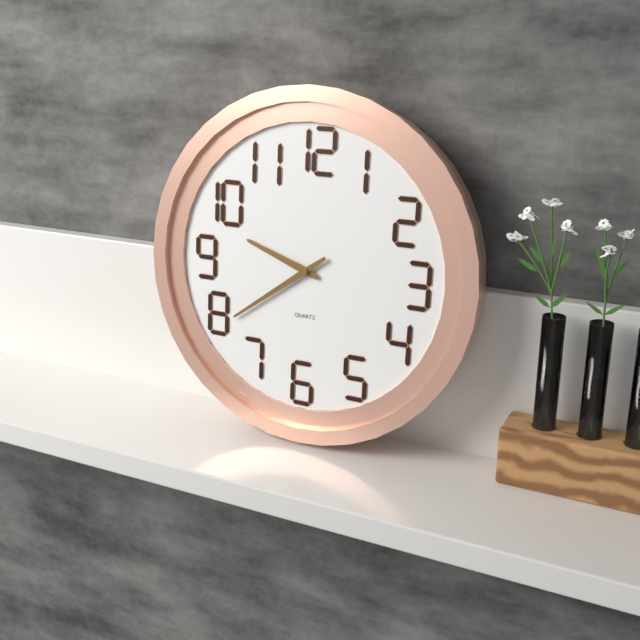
9:39
